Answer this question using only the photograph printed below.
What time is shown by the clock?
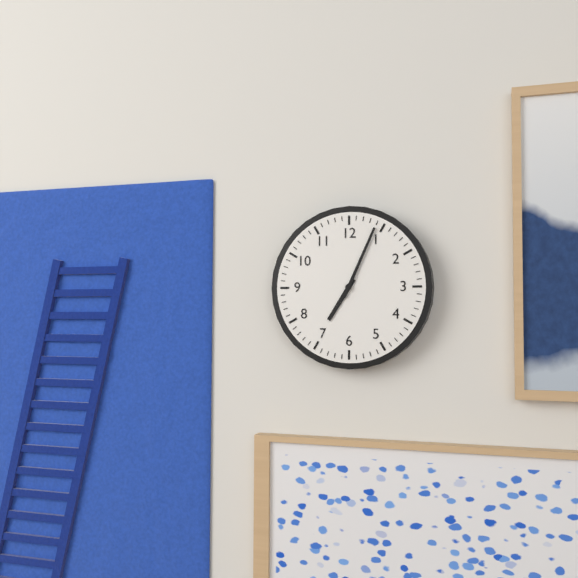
7:04
